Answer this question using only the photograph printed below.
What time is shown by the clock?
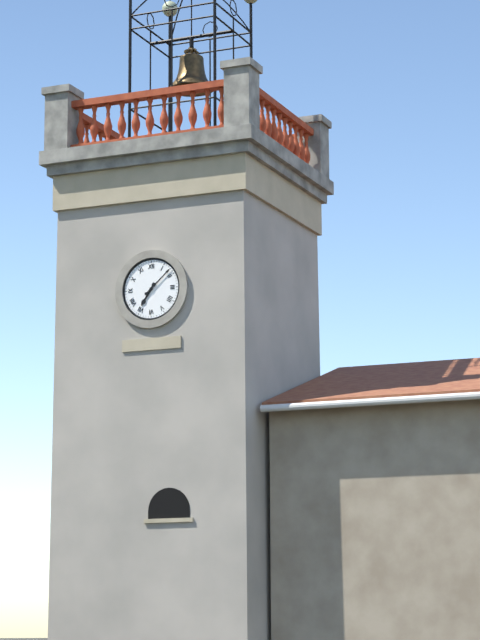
7:08
